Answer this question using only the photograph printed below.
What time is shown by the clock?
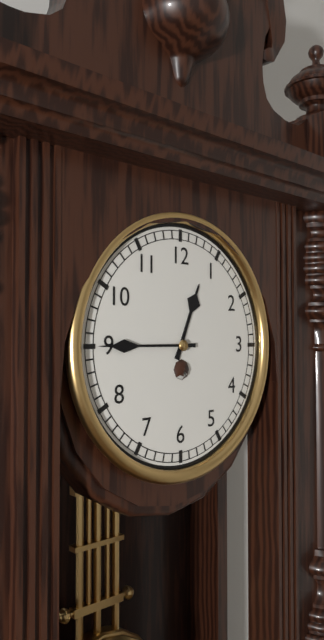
12:45
